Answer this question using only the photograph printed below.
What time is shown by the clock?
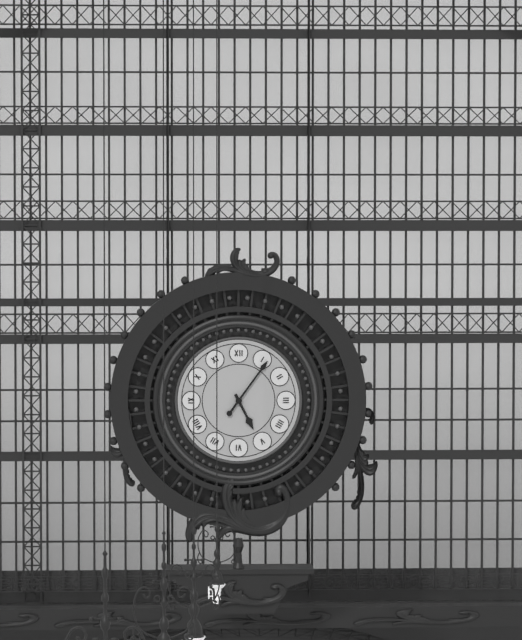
5:06
